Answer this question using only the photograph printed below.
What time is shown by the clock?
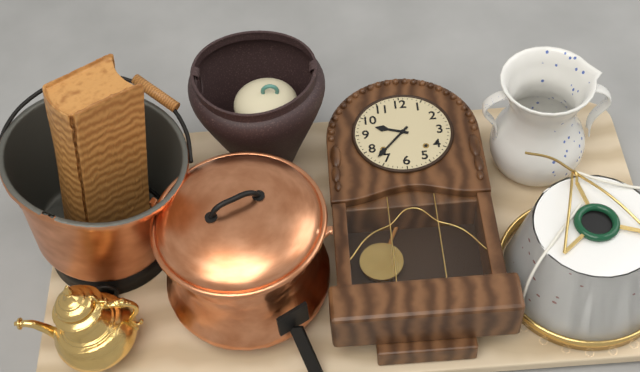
9:37
